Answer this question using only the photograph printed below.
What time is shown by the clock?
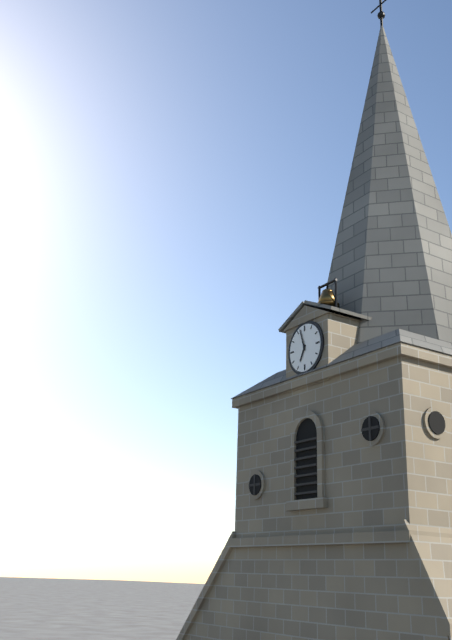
6:57
